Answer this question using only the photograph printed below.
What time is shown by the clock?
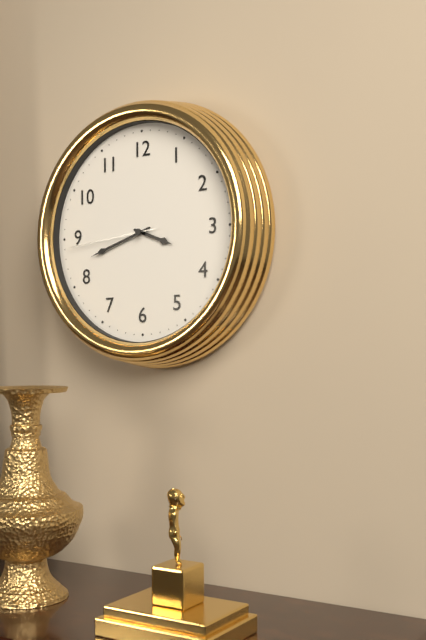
3:42:44
